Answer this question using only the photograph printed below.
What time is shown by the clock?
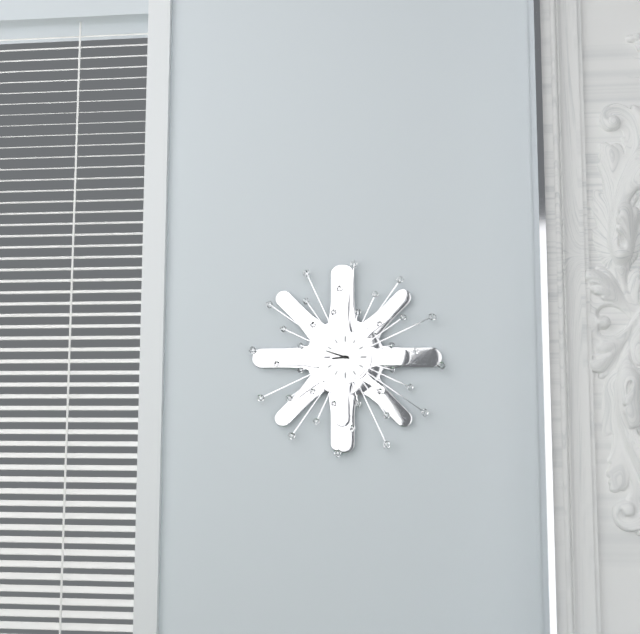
8:48
